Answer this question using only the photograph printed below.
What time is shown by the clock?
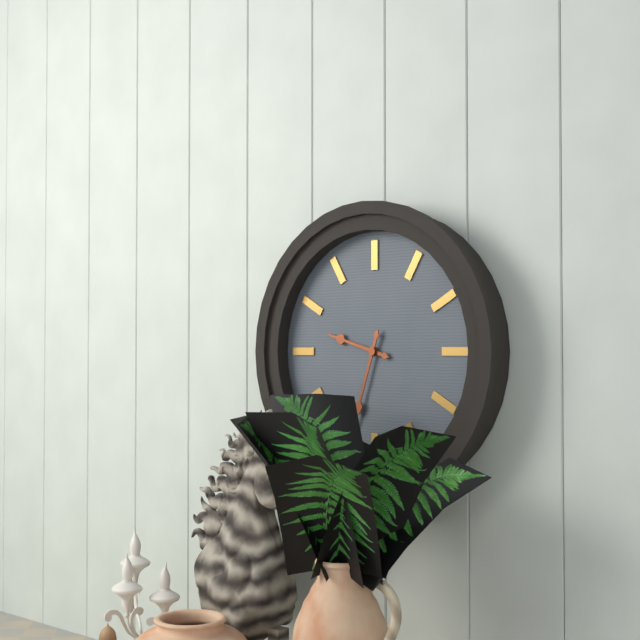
9:33
